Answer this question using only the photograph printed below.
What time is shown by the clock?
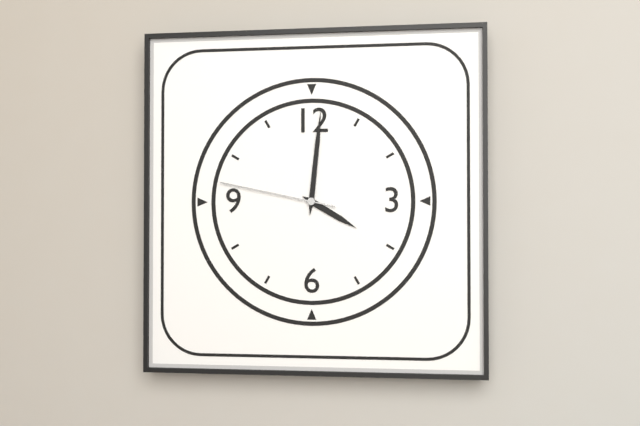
4:01:47
